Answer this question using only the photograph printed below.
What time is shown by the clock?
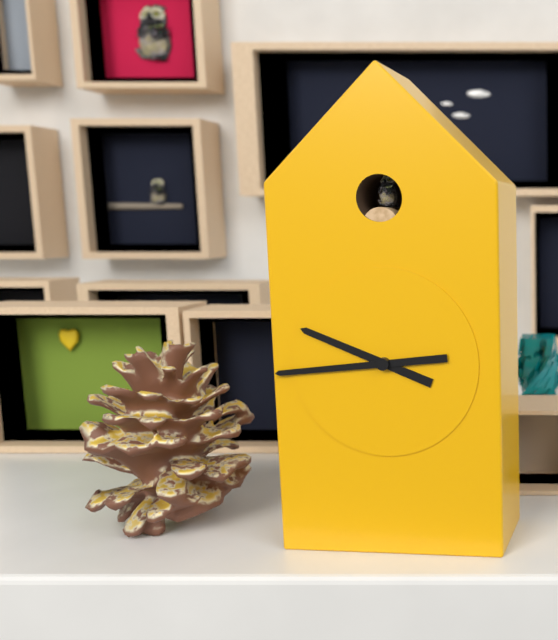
9:44
